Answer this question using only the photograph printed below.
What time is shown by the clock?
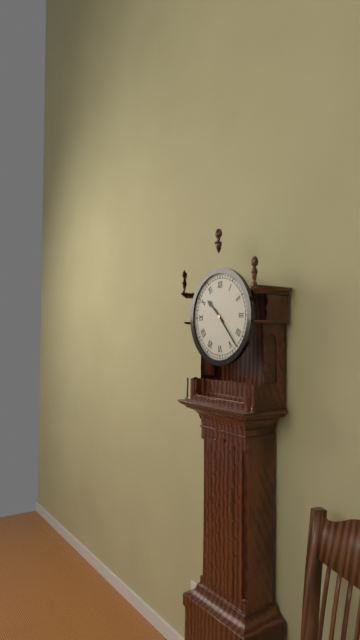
10:23
